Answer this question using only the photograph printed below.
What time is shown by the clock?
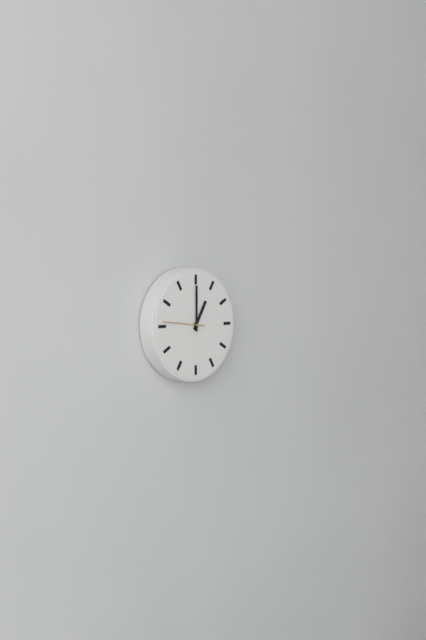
1:00
